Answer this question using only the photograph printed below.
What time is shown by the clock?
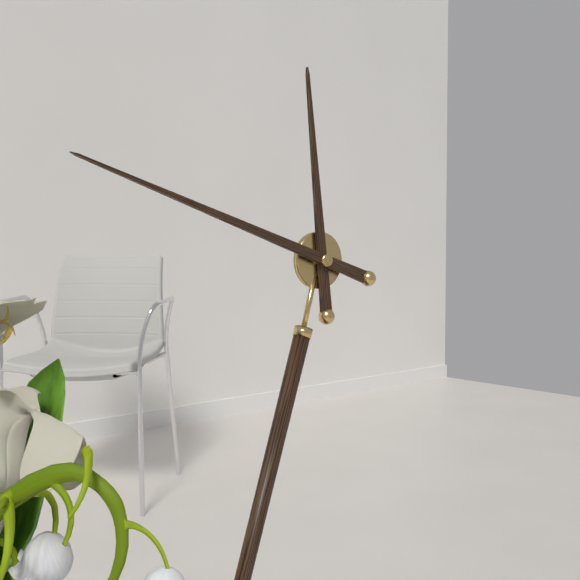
11:48
